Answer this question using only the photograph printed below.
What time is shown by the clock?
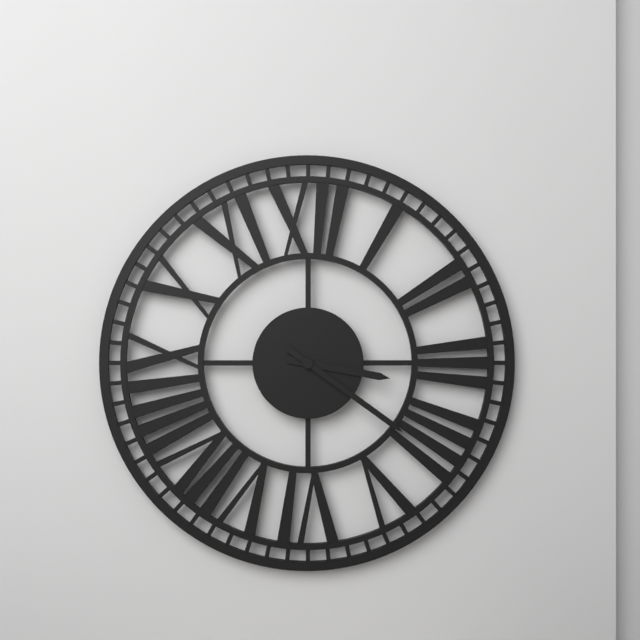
3:21
